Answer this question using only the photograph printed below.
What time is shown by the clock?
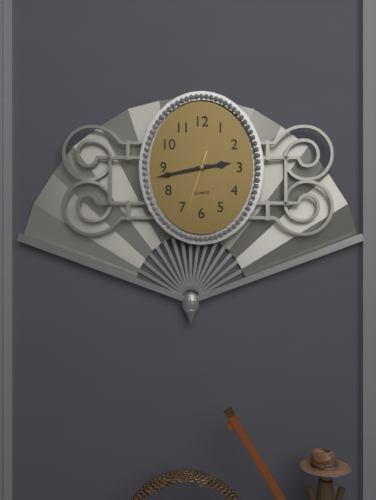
2:43:33
